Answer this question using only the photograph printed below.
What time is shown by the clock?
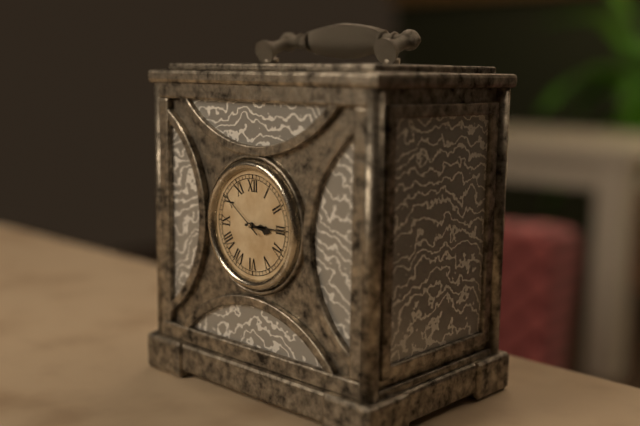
3:15:51
